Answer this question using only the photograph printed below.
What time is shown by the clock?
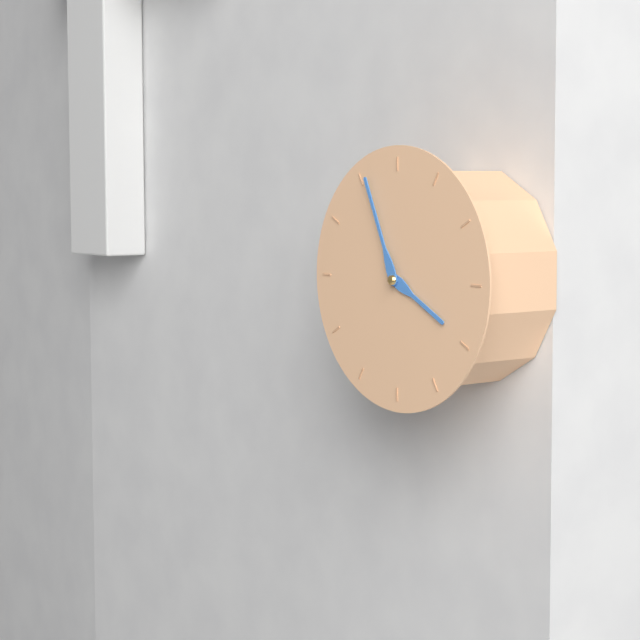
3:56
